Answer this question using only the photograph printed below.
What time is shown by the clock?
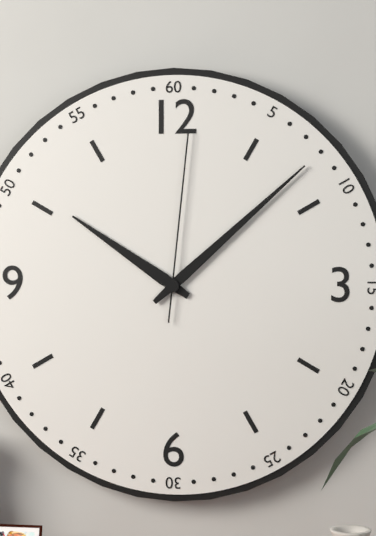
10:08:01
